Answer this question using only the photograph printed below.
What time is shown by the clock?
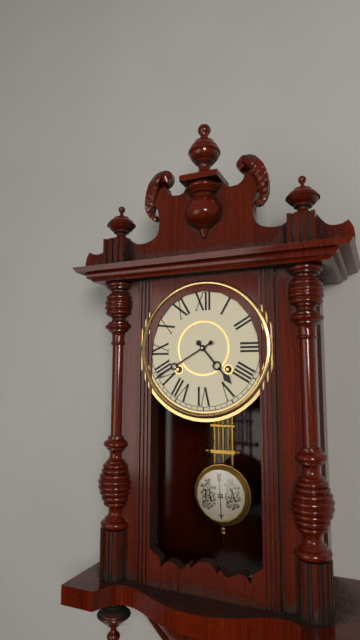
4:40
